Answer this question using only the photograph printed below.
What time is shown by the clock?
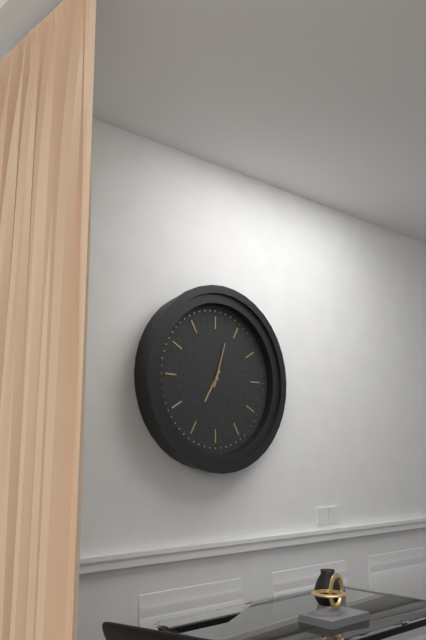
7:03
